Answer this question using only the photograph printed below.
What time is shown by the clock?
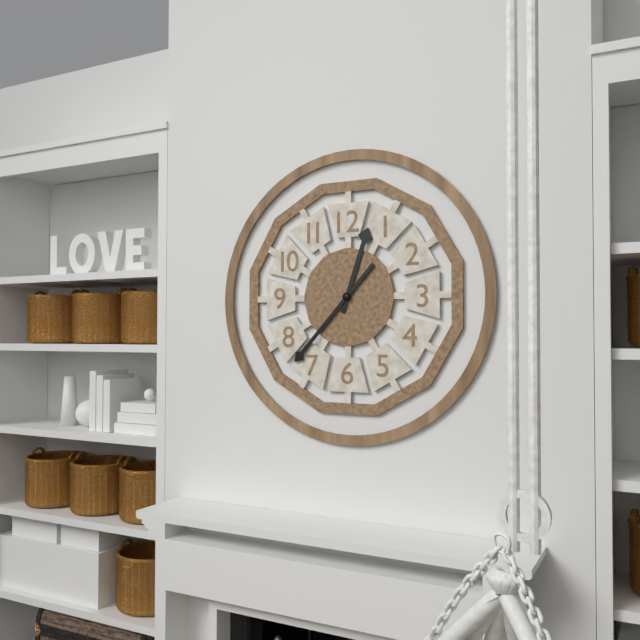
12:37
